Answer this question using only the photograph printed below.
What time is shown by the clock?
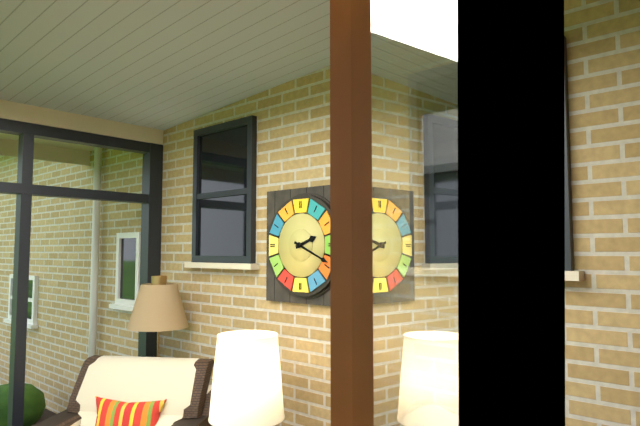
2:19
